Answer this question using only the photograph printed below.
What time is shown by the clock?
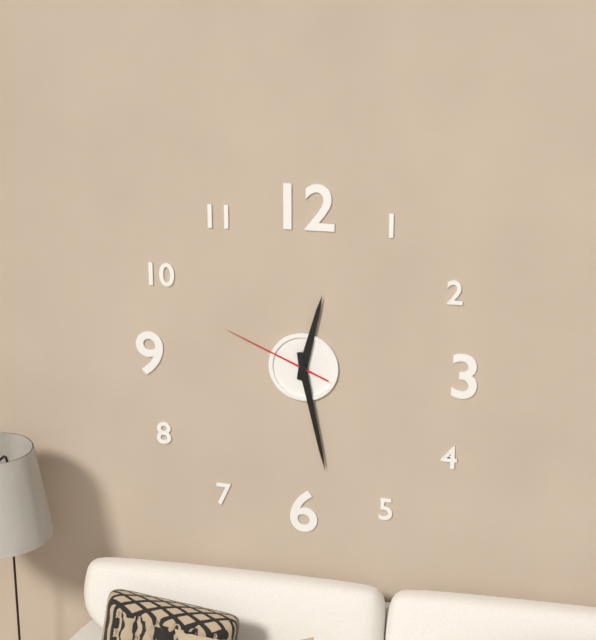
12:28:49
